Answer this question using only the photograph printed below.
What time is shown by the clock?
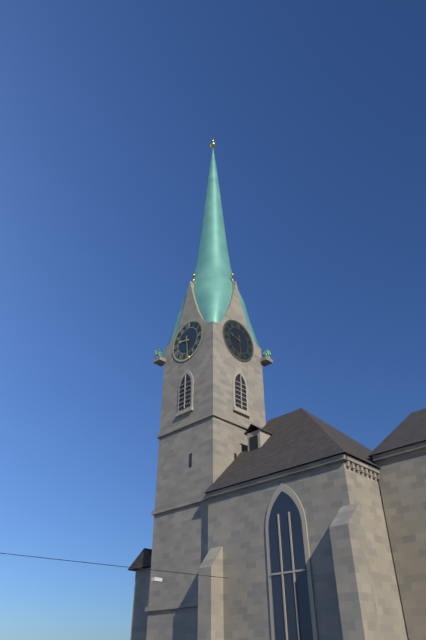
9:29
